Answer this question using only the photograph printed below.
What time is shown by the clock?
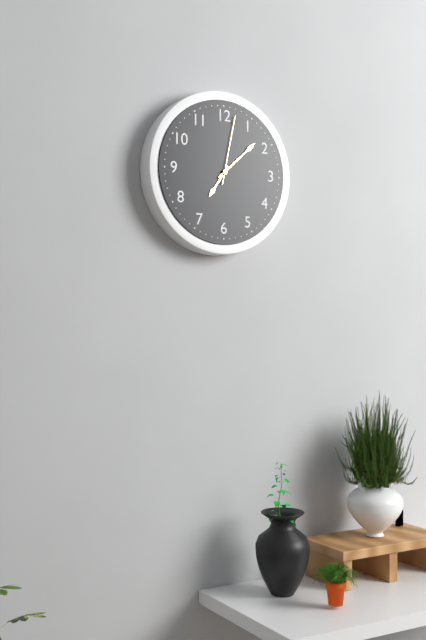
7:08:02
